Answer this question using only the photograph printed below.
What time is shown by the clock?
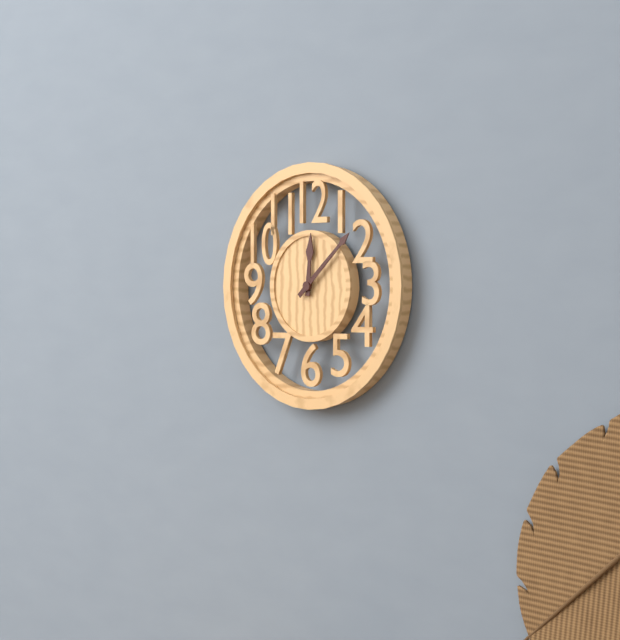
12:08
